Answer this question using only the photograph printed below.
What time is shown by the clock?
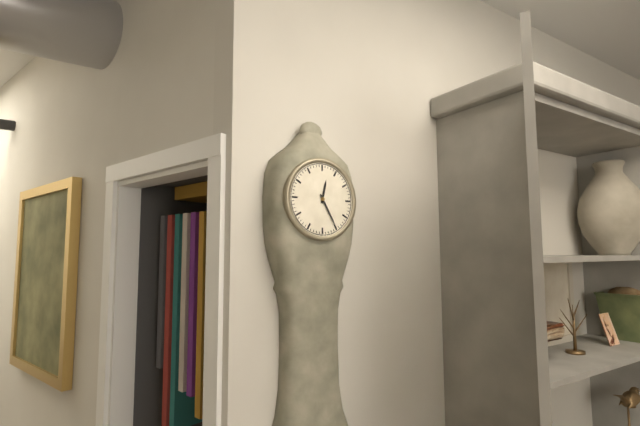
12:25
